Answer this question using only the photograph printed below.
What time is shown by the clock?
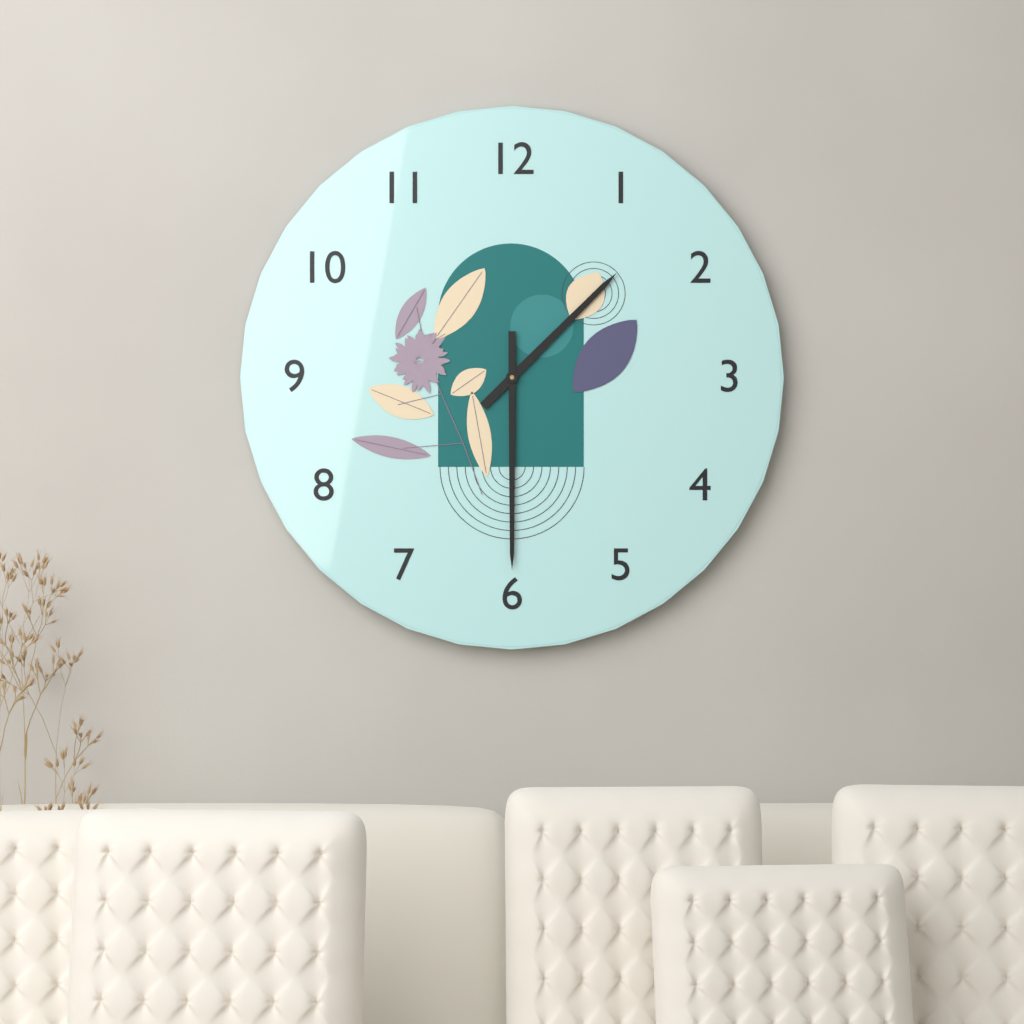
1:30
